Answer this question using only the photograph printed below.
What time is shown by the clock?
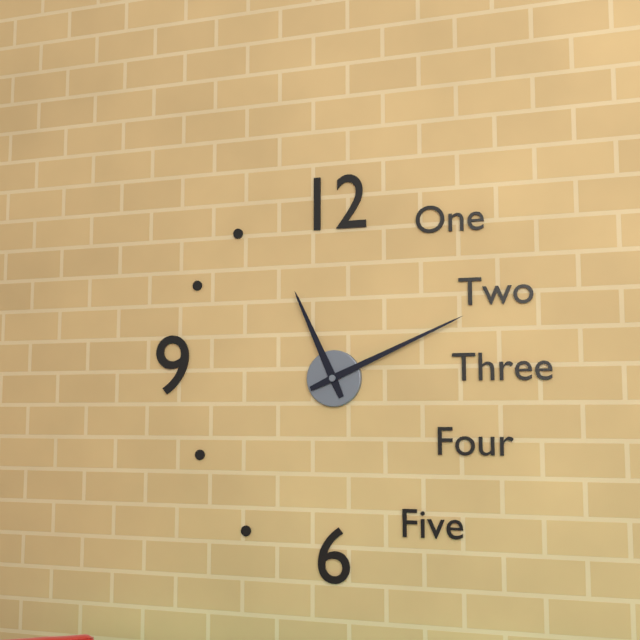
11:11
